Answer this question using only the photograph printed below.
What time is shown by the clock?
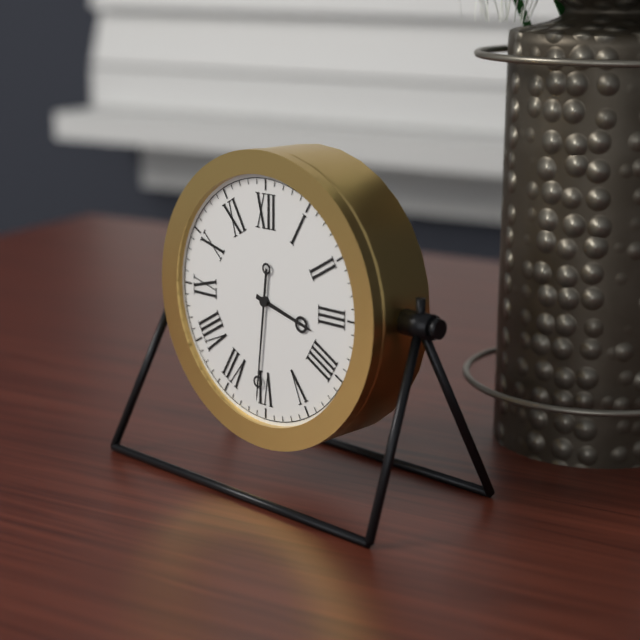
3:31
